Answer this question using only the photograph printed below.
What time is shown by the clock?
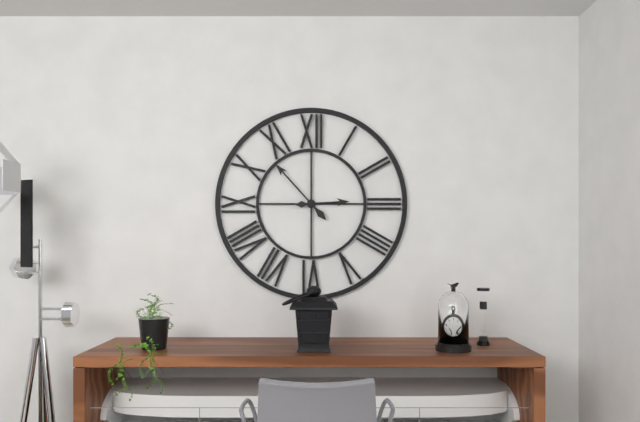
2:53
